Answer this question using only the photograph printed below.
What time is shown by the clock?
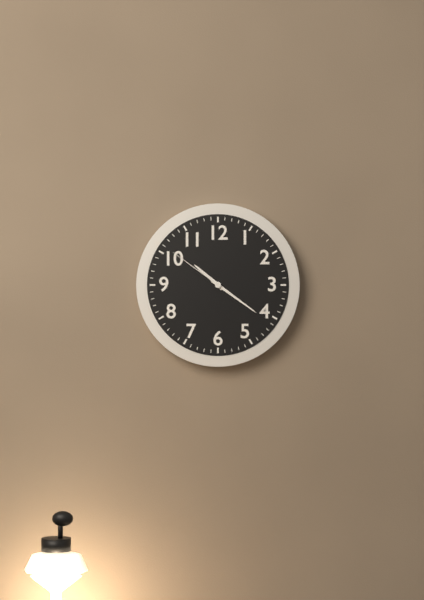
10:21:51
